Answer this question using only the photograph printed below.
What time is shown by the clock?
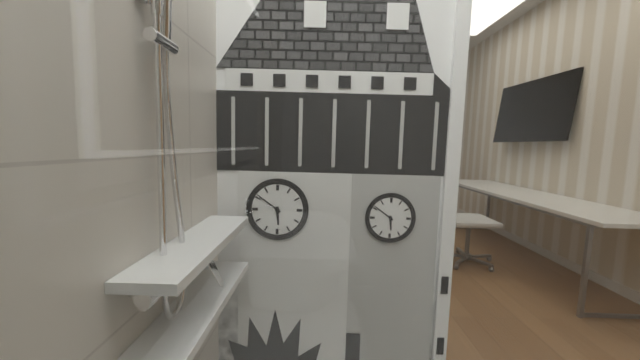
5:51
